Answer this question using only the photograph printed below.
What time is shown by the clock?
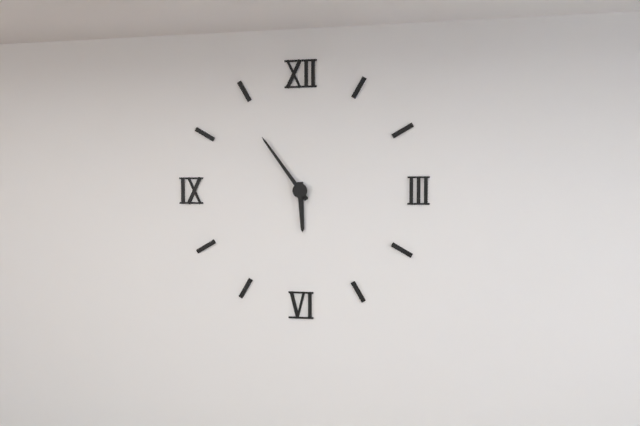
5:54
